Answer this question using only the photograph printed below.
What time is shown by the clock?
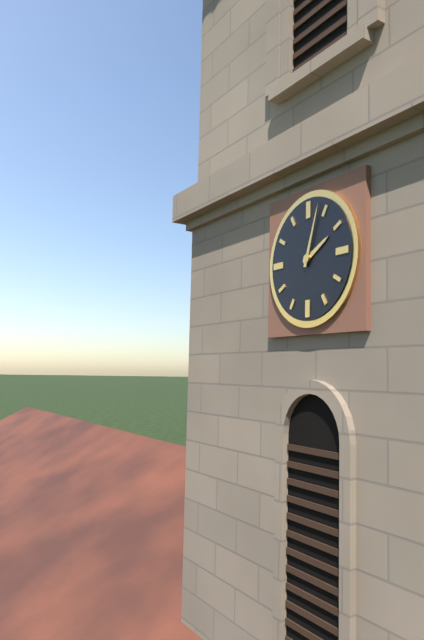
2:03
